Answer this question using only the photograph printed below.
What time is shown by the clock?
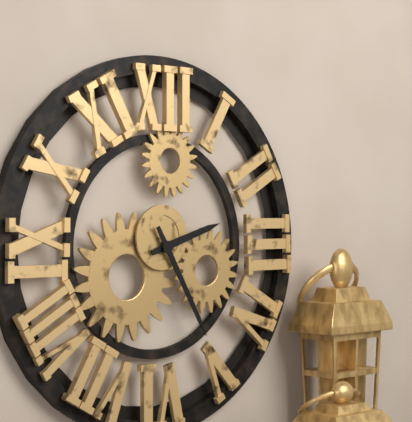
2:25
